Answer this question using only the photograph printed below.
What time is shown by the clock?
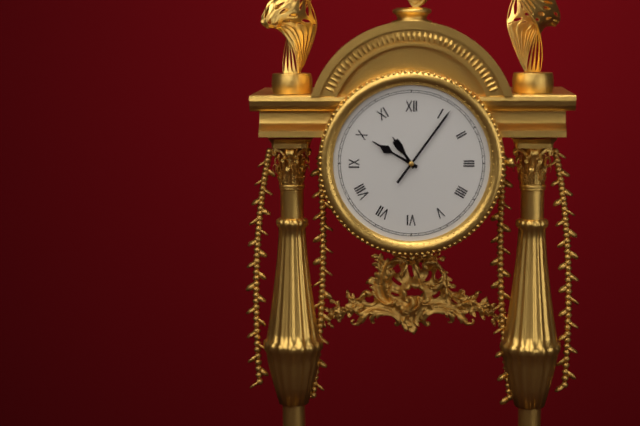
10:50:06
